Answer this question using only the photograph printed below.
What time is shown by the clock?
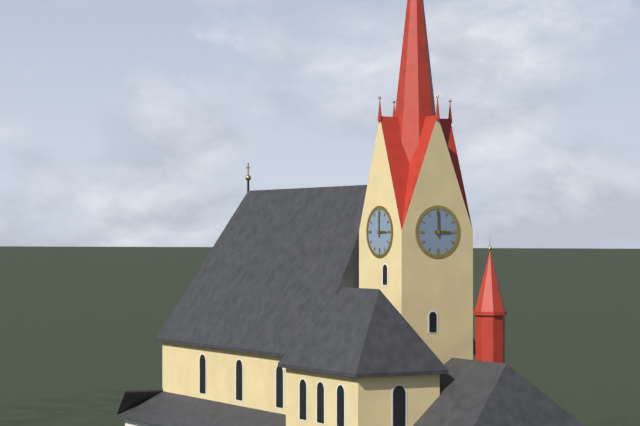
3:00
